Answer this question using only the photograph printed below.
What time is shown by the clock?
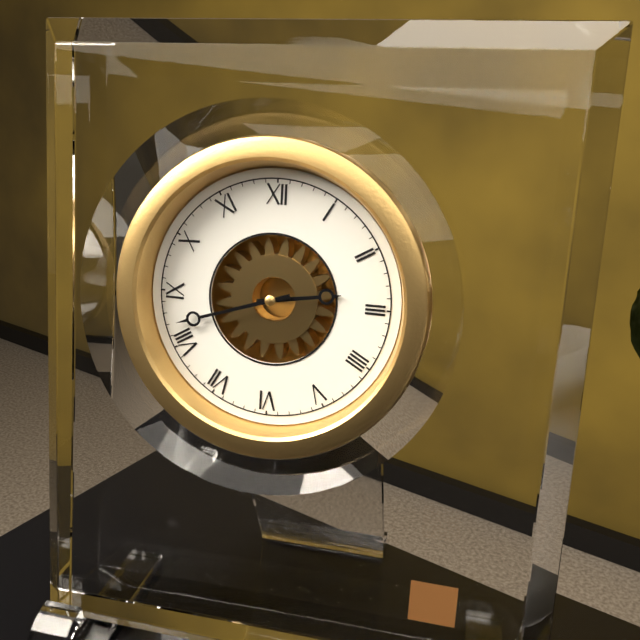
2:42
